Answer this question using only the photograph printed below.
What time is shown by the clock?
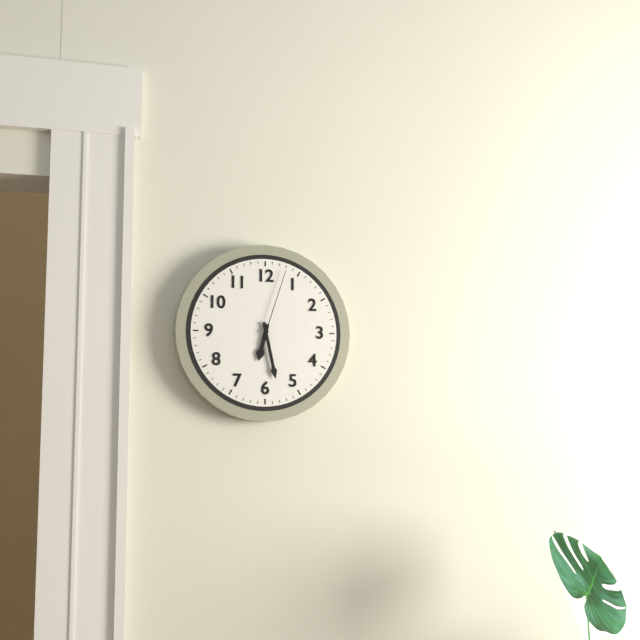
6:28:03
